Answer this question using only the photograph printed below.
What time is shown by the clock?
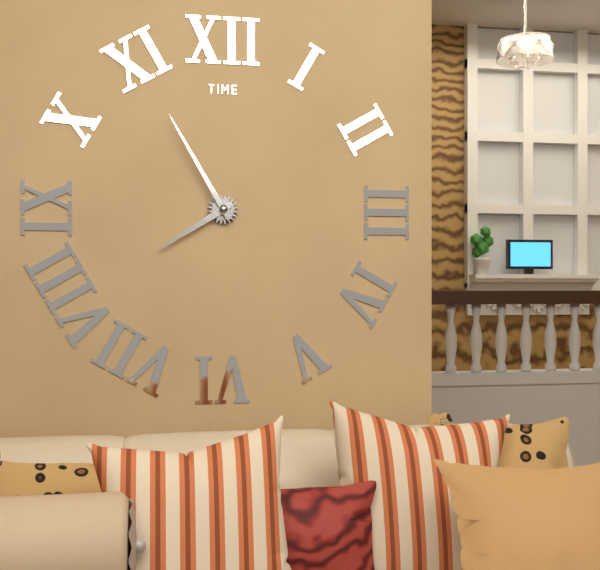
7:55
